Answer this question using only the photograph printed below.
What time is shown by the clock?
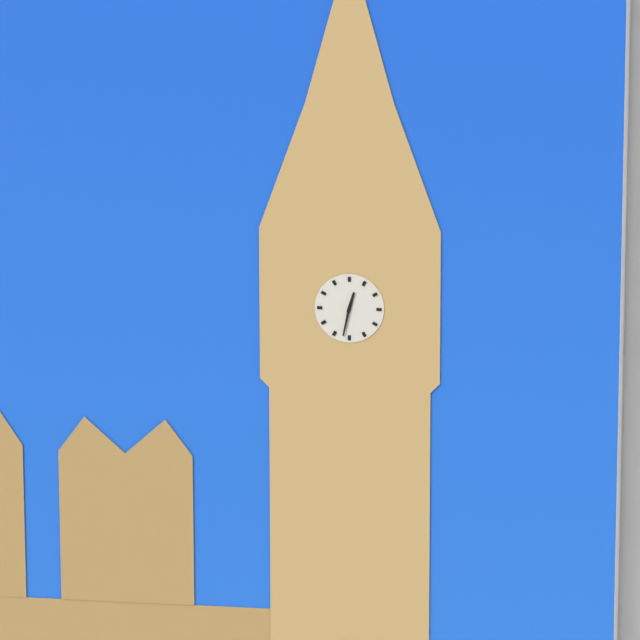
12:32
